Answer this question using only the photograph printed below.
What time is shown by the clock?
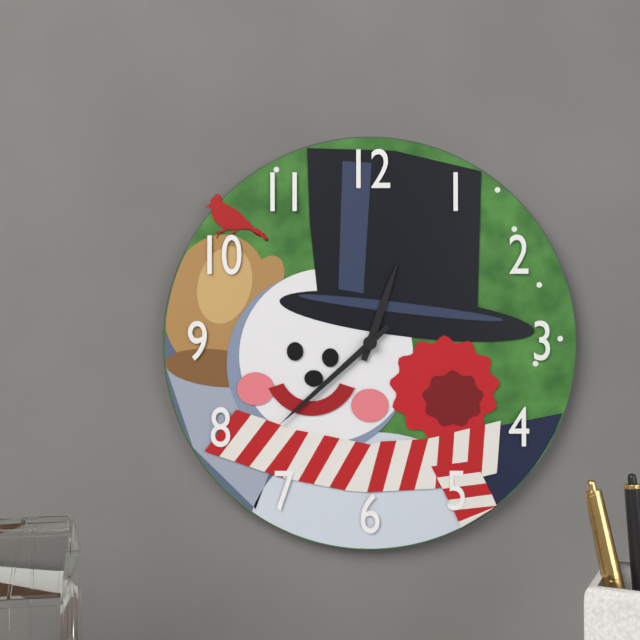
12:38
